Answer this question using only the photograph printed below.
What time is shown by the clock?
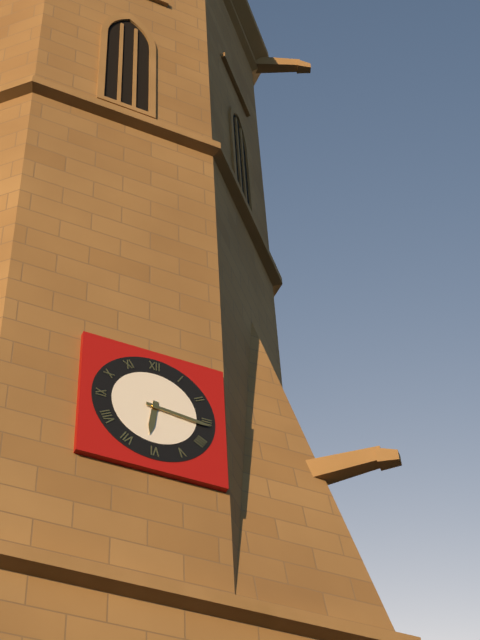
6:16
